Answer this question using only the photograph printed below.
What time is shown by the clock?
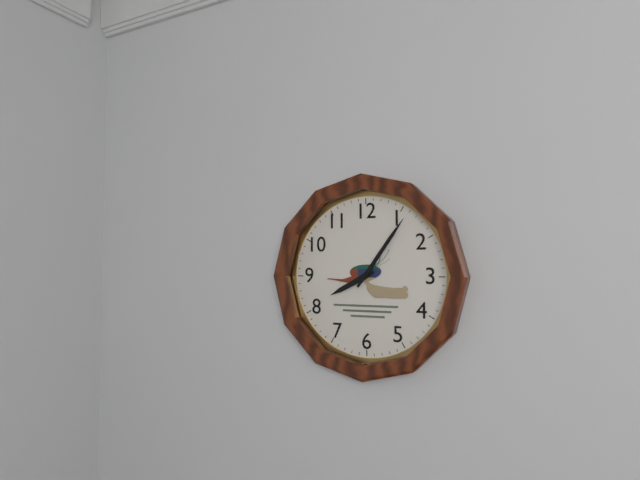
8:06
